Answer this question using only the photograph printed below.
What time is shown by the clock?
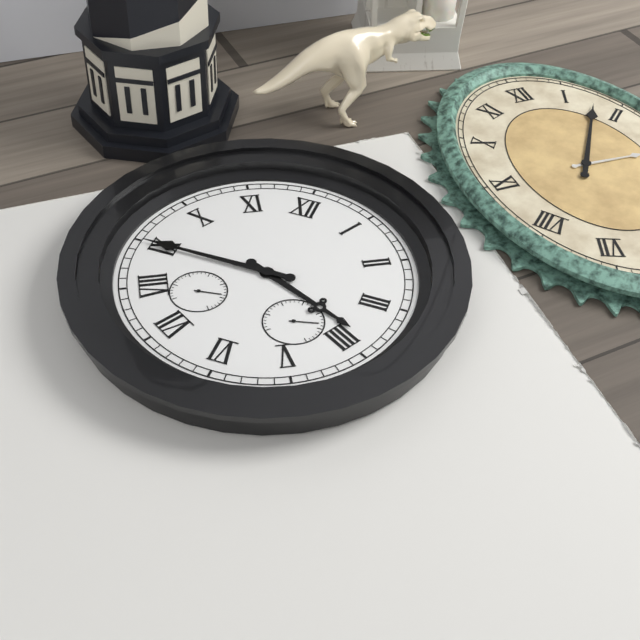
3:45
